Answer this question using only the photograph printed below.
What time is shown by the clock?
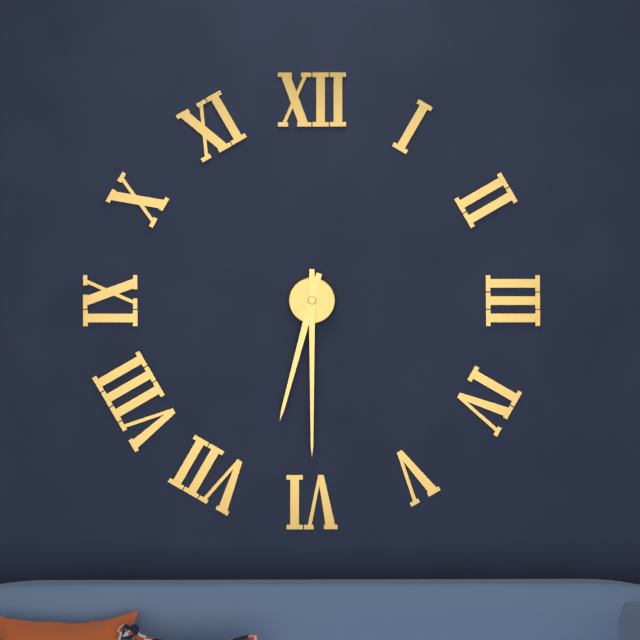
6:30
